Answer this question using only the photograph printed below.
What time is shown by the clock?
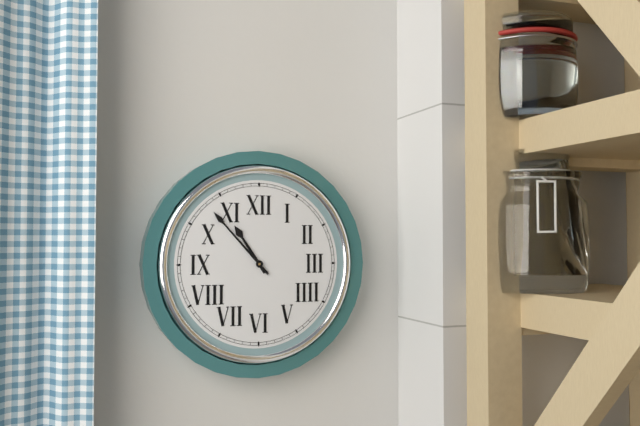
10:53
